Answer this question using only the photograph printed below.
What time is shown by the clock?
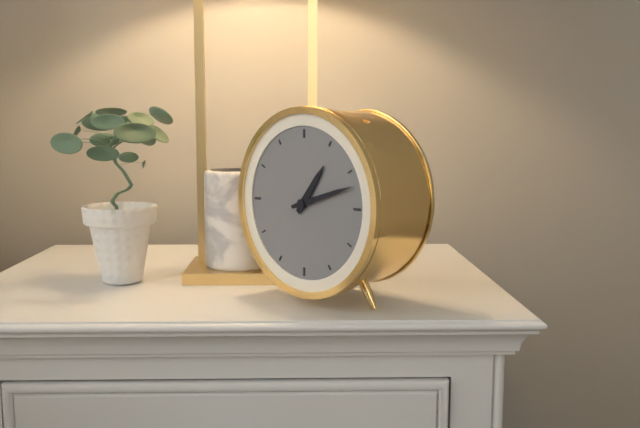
1:12
